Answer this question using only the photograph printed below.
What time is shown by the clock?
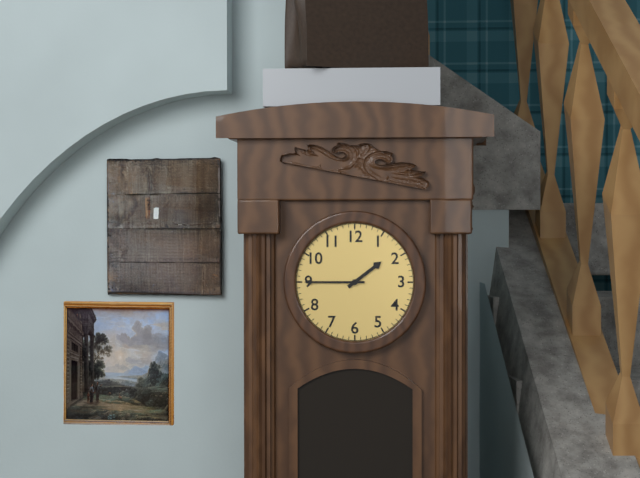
1:45
